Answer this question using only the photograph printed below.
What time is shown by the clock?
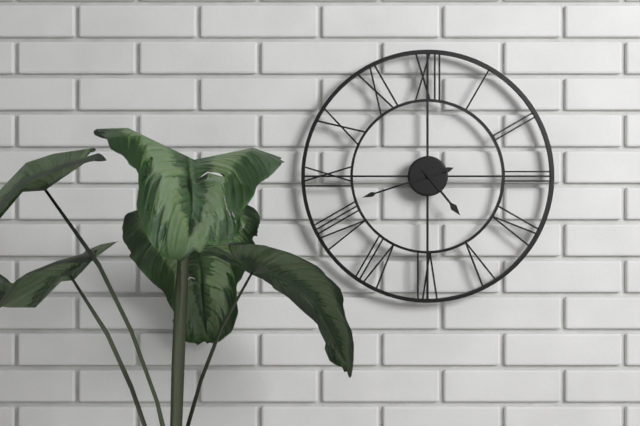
4:42
